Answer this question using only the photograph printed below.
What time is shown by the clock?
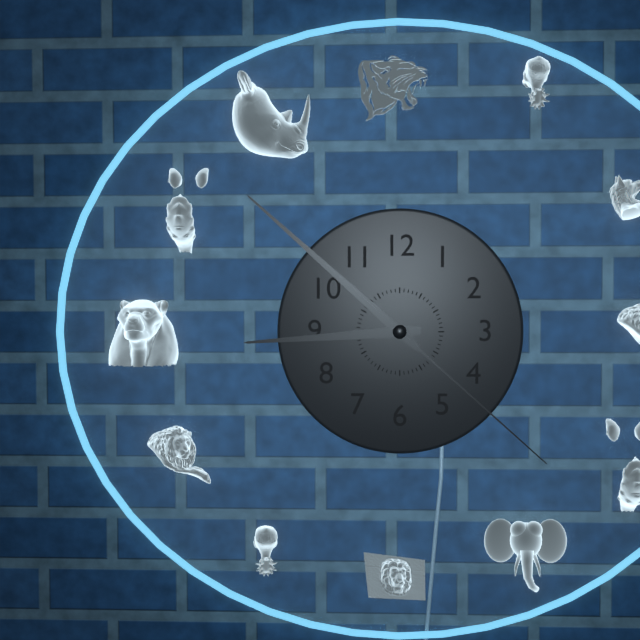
8:52:22
